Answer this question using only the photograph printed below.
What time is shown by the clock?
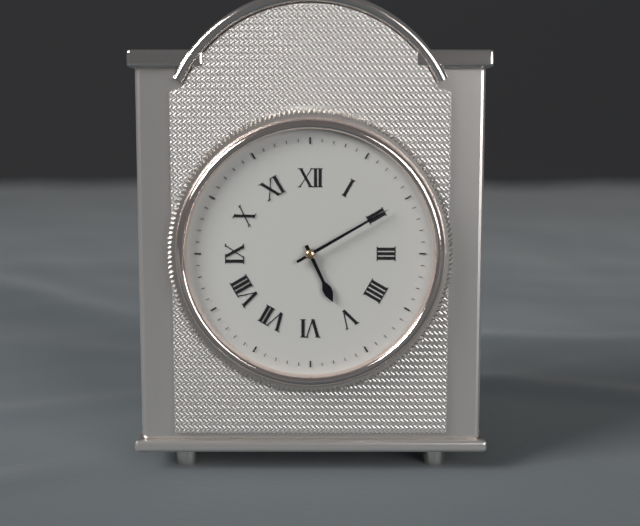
5:10
